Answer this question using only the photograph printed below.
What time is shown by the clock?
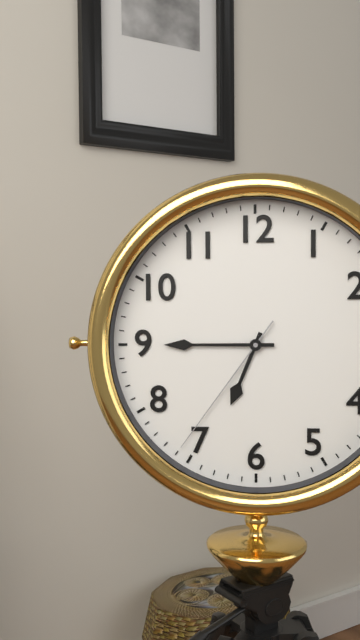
6:45:36
